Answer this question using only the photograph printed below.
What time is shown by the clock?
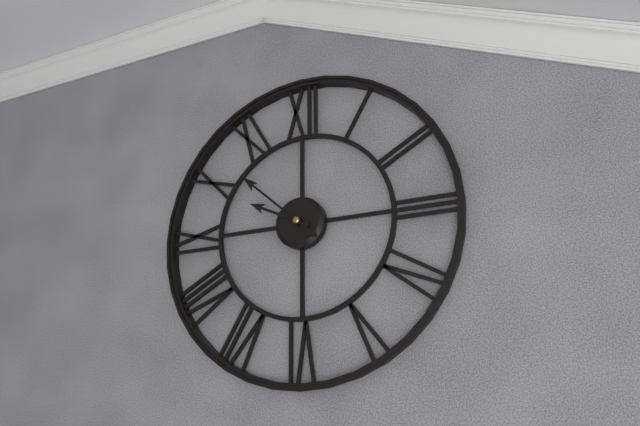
9:52
